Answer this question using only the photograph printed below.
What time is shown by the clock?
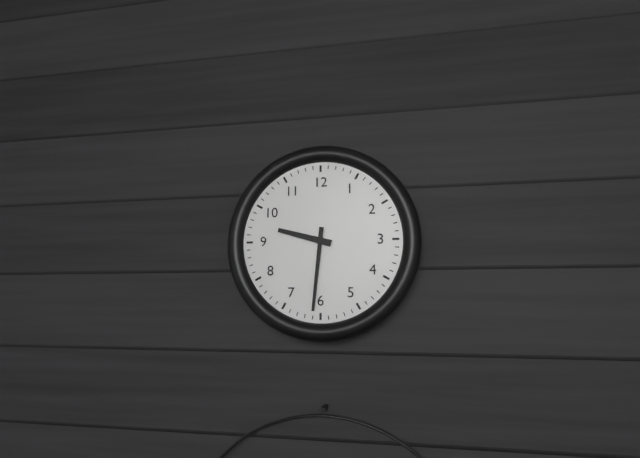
9:31
